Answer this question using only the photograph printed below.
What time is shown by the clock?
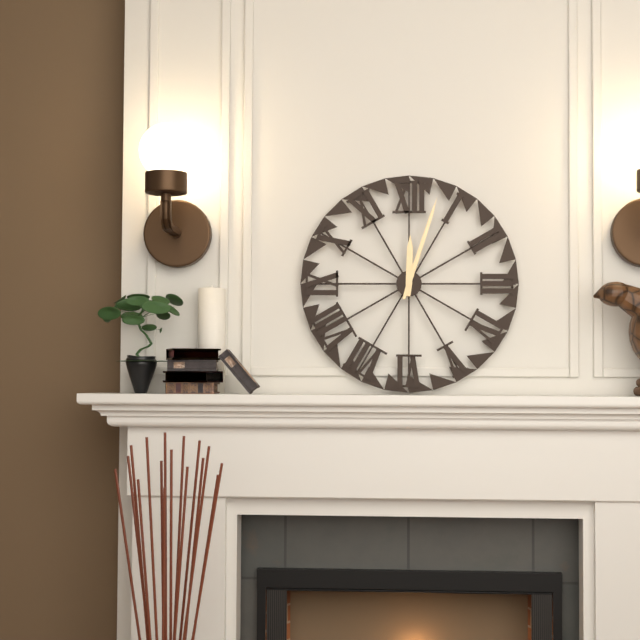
12:03
